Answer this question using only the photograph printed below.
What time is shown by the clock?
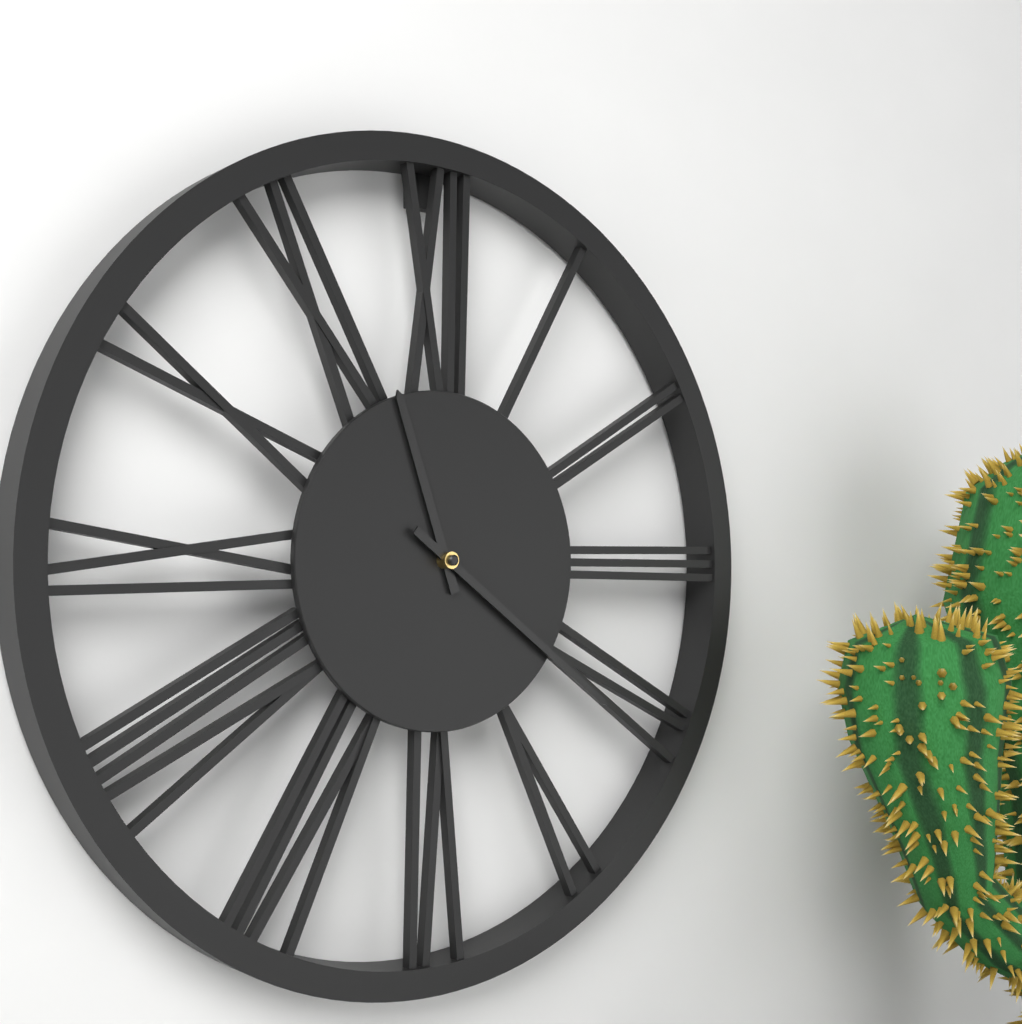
11:21
